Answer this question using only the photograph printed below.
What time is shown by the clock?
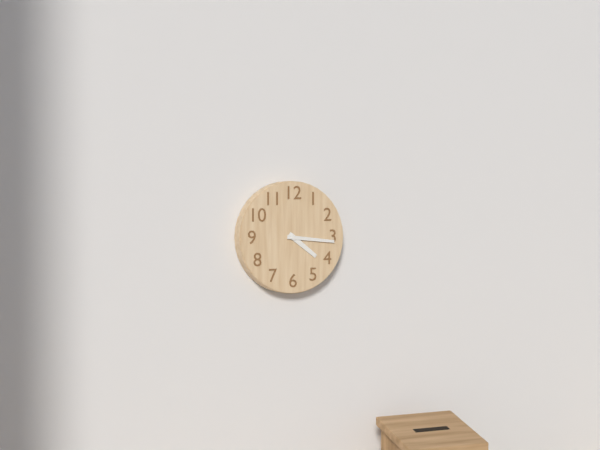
4:16
